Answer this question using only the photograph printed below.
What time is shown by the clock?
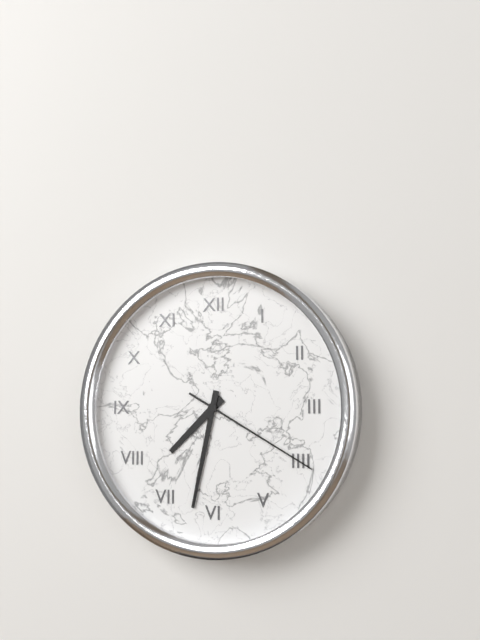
7:32:20
